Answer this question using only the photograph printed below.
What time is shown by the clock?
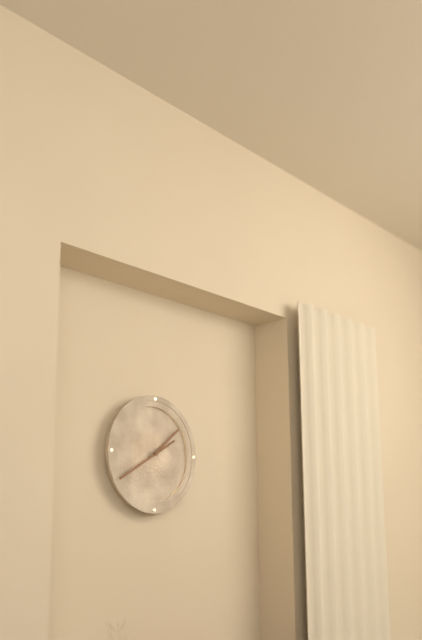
1:40
